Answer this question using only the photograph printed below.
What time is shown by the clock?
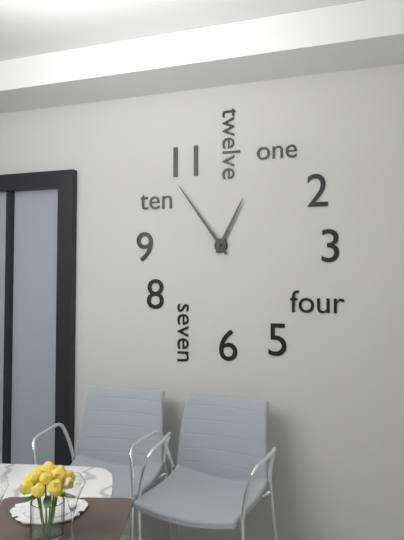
12:54
